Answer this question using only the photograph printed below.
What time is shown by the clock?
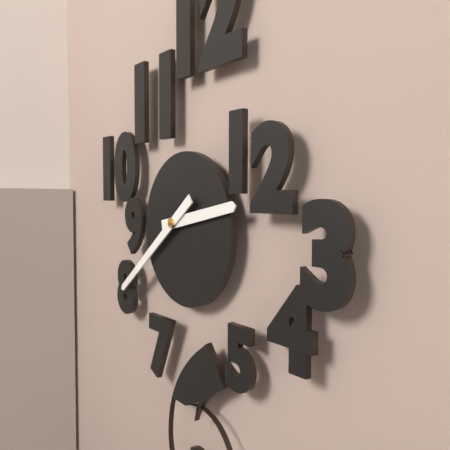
2:39
